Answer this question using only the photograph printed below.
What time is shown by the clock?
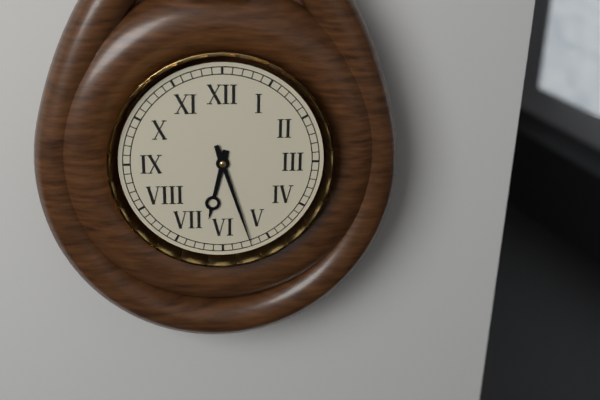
6:27
